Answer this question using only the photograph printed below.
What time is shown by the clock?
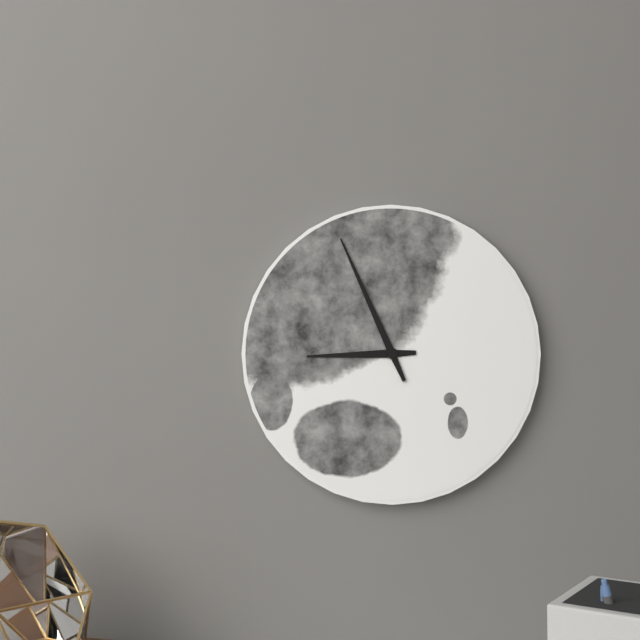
8:56
